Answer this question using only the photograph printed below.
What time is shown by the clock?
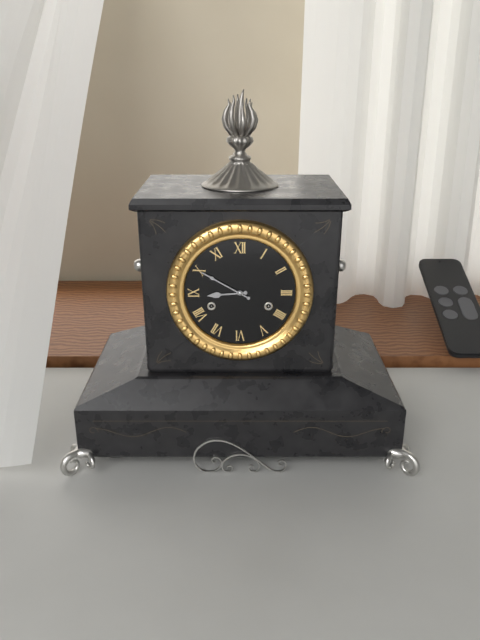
8:50
